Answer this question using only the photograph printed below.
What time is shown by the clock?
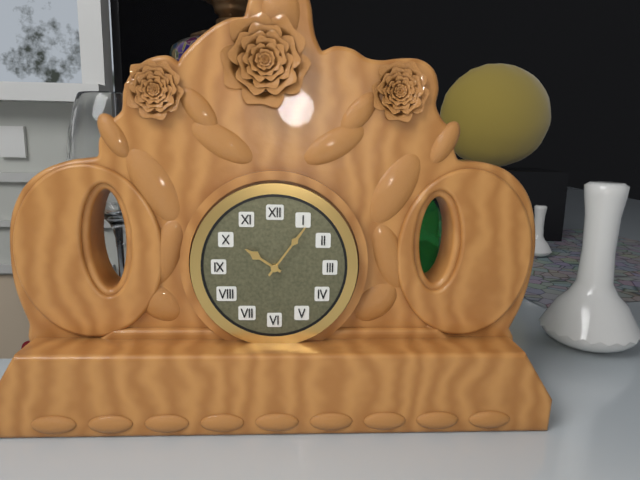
10:06
